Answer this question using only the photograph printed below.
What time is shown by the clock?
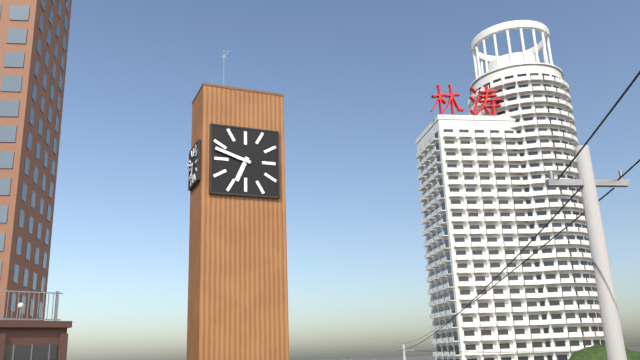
6:48
